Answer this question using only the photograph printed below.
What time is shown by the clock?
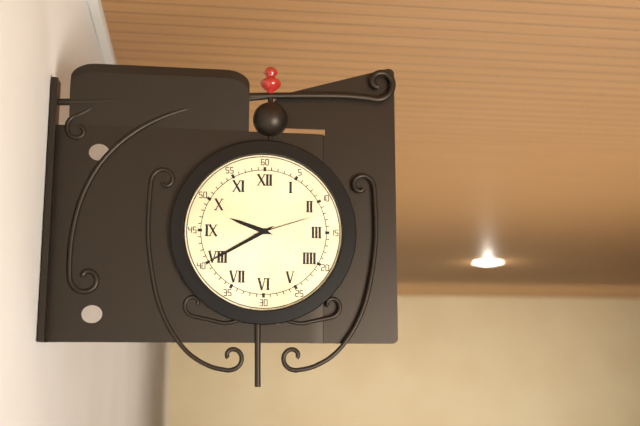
9:40:12
